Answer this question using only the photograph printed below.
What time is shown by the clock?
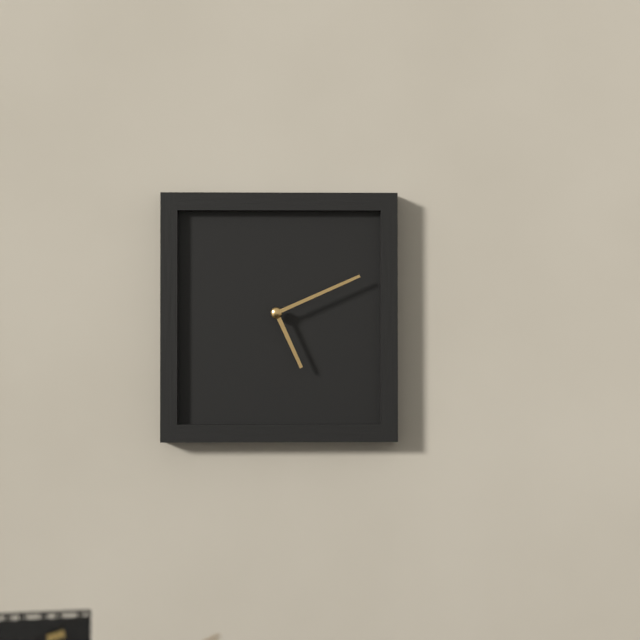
5:11
